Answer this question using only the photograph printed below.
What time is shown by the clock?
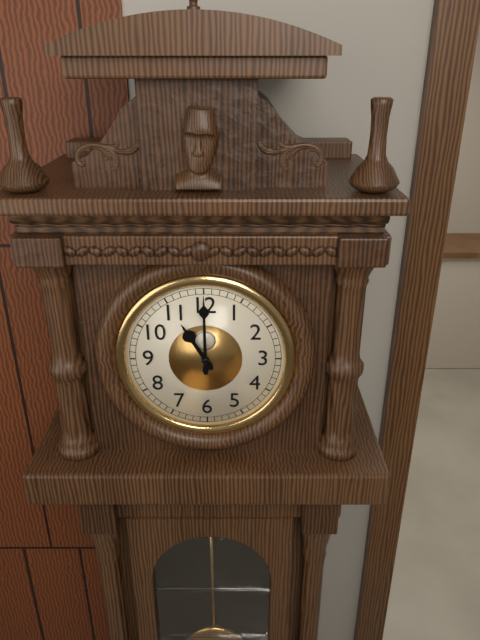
11:00
